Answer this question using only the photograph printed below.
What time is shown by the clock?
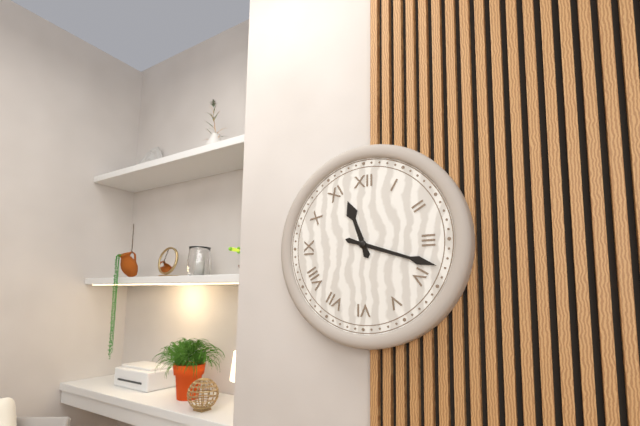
11:18
